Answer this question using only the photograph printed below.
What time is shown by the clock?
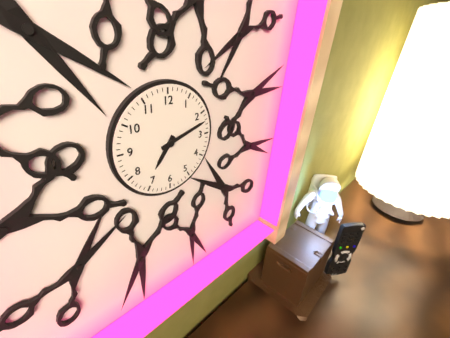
7:12
